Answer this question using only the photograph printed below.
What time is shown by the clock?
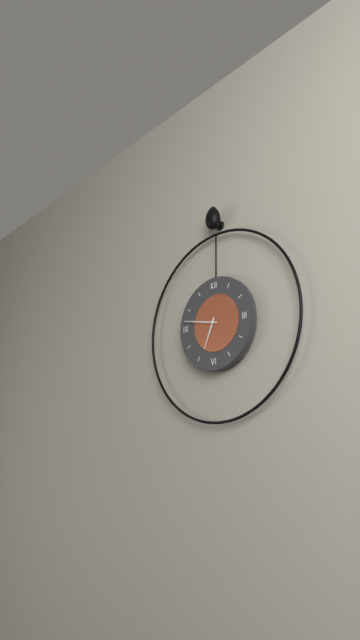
6:47
